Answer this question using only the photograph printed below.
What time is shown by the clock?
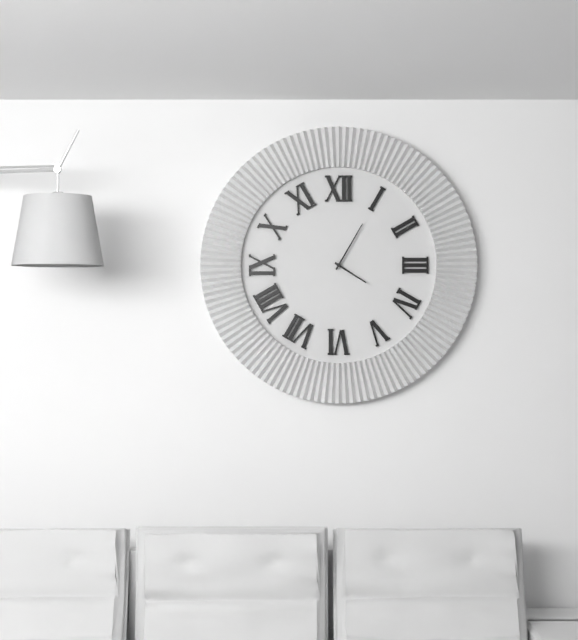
4:05
